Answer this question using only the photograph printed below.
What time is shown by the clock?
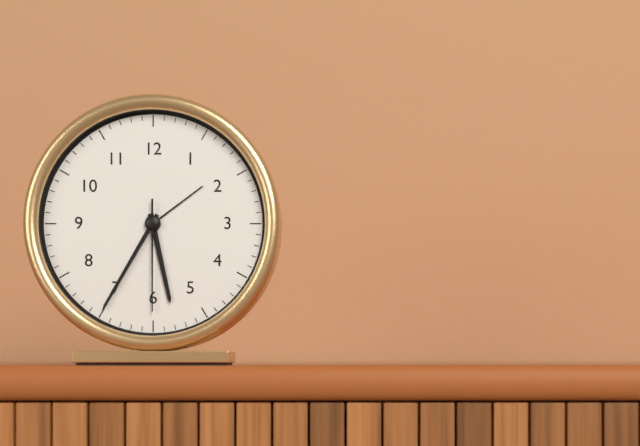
5:35:30
